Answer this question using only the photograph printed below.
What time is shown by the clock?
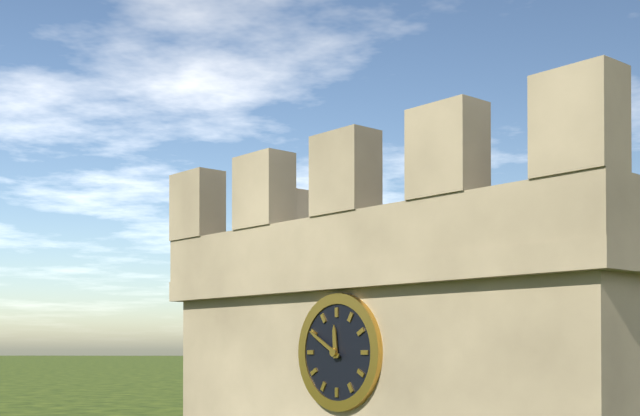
11:50
